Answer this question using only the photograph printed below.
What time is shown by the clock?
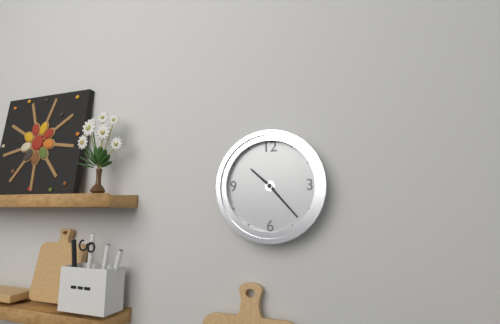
10:23
